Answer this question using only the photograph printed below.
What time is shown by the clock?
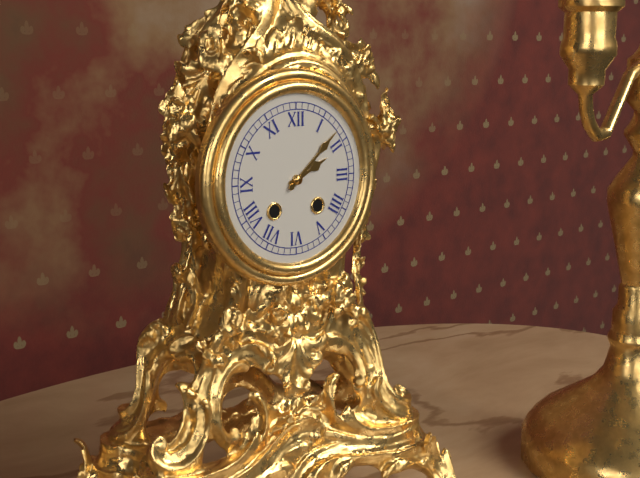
2:08
